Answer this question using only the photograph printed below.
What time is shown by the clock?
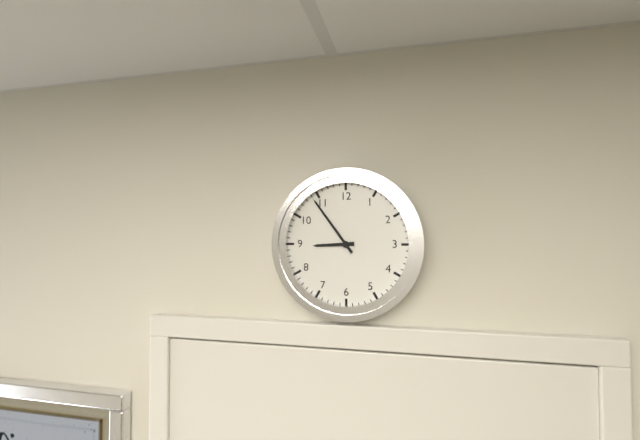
8:54
